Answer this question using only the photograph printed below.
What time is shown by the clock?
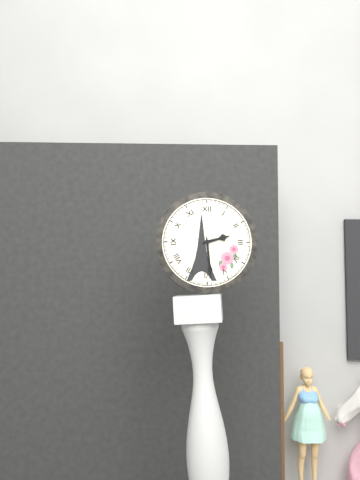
2:29
